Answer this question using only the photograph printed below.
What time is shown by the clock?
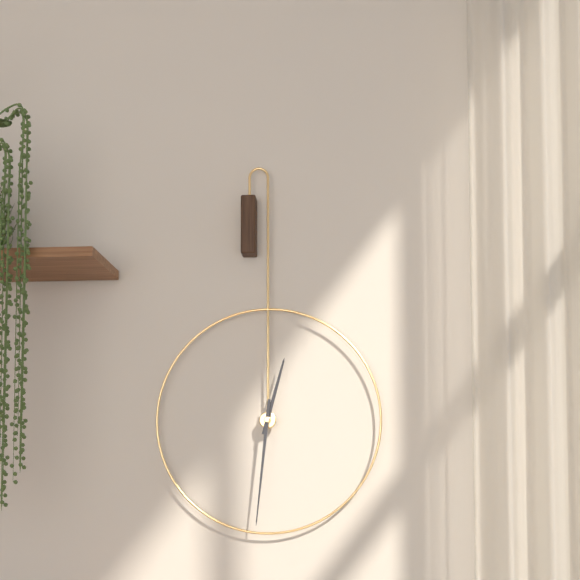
12:31
